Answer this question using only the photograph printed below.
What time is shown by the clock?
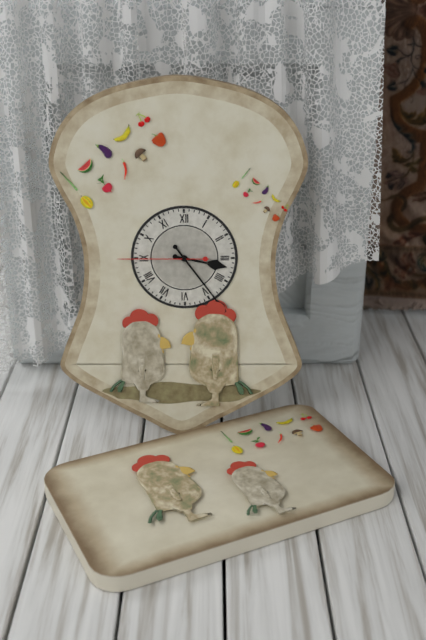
3:24:45
